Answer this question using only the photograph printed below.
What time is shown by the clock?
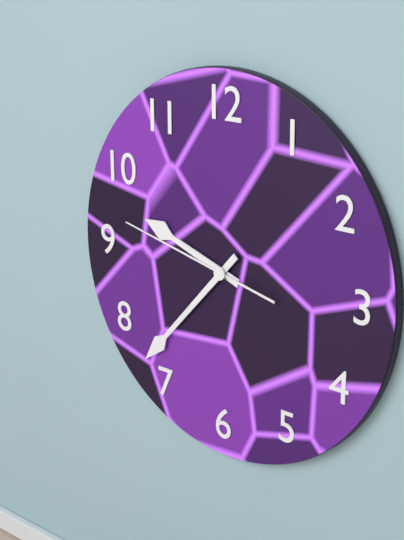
9:37:47
